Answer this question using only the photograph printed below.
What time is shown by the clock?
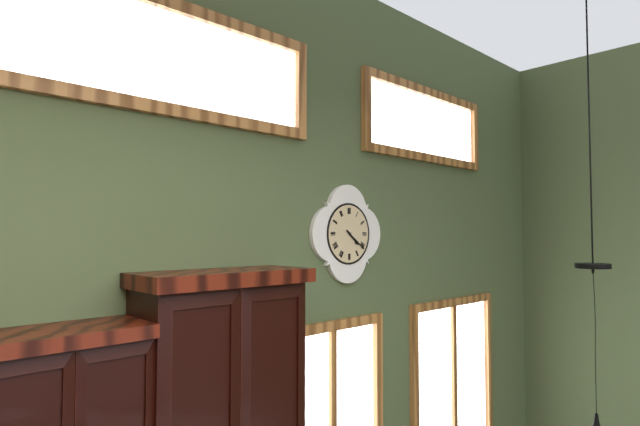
4:21
